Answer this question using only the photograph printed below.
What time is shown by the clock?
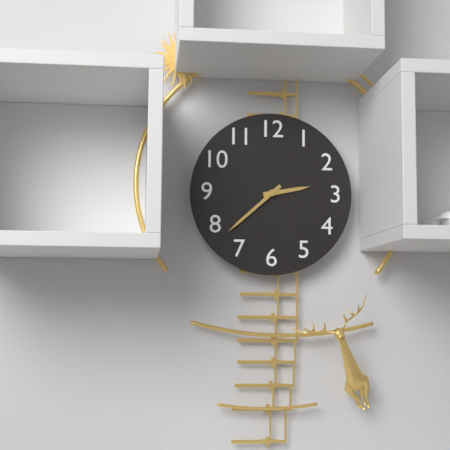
2:38
